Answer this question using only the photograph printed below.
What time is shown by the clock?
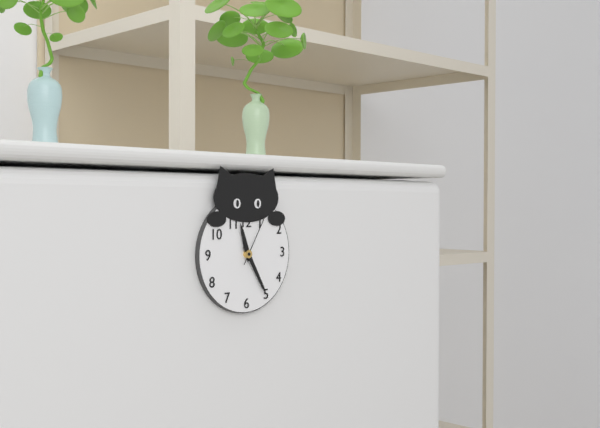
11:25:05
